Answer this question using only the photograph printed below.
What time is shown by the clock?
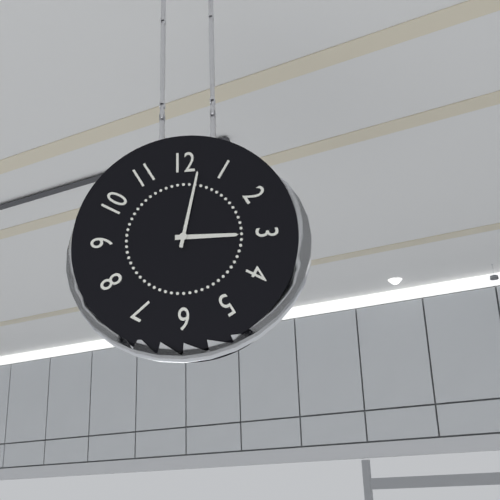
3:02
